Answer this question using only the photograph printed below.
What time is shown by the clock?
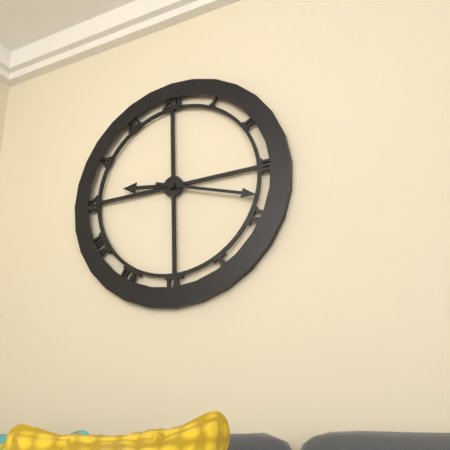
9:18
